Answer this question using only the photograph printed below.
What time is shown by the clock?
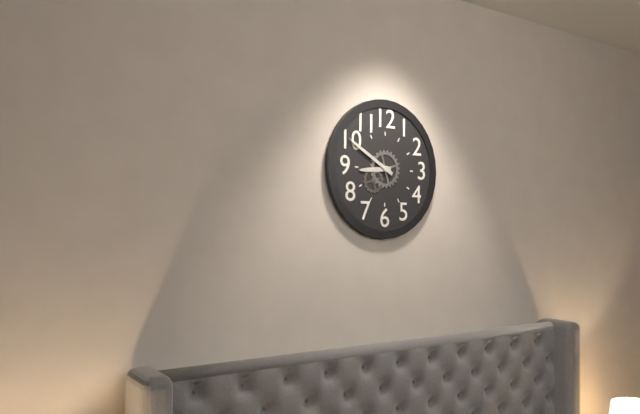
8:50
